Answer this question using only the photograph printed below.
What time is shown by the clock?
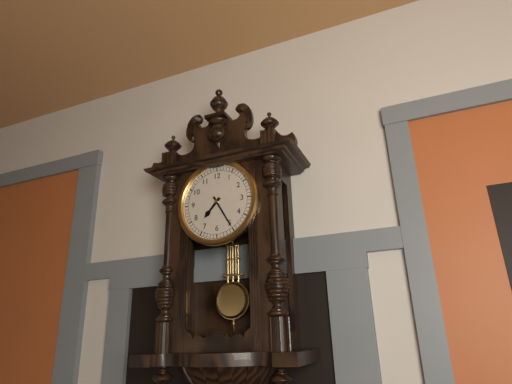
7:25
